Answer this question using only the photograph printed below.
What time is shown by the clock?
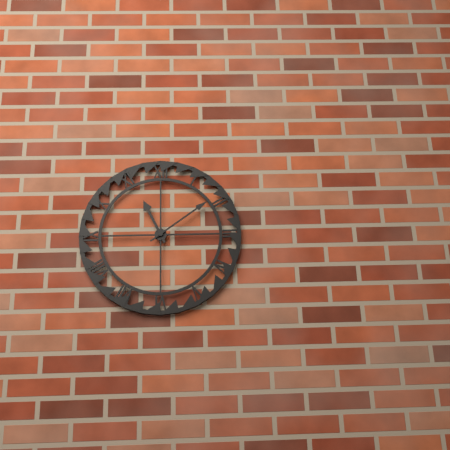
11:09
